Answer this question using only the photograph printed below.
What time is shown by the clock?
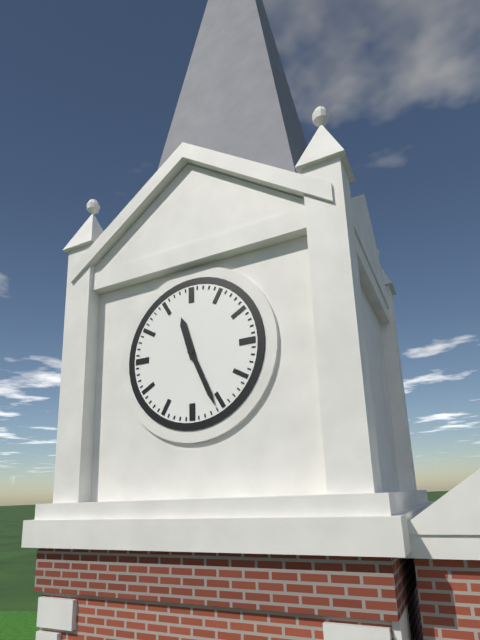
11:26
